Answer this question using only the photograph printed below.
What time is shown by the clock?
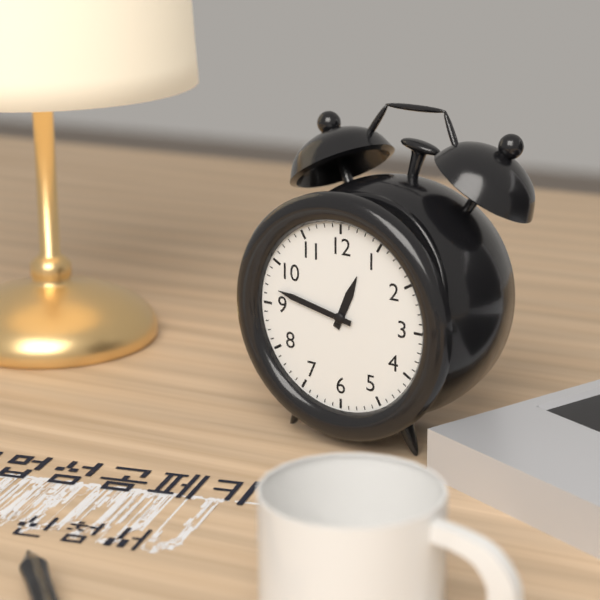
12:47
